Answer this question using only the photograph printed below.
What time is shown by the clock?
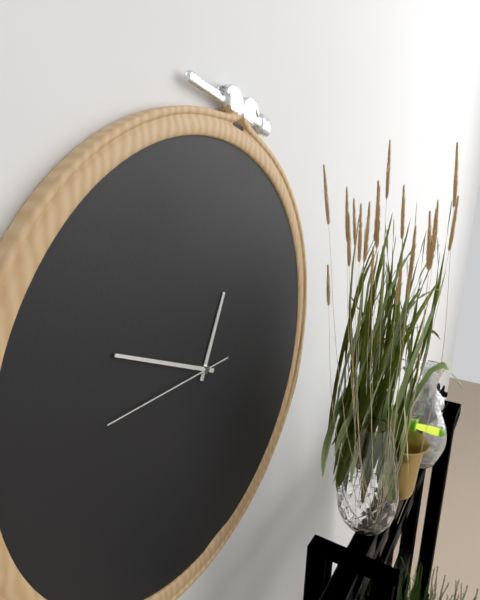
12:49:45
